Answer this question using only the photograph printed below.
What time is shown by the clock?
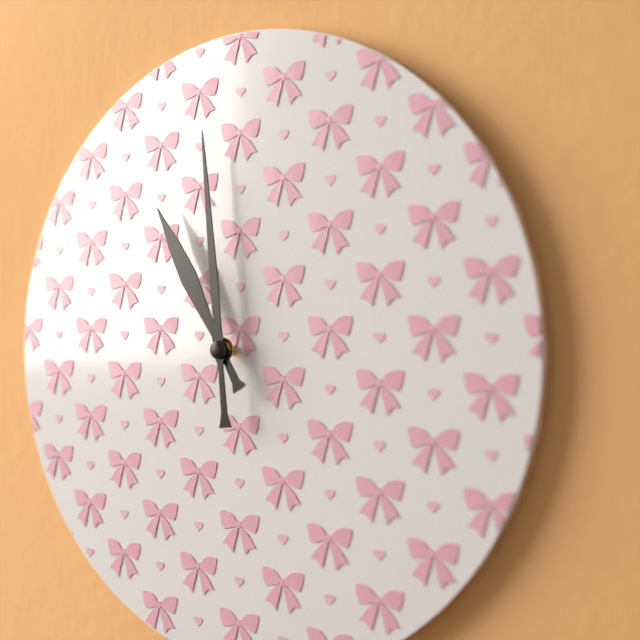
10:59
